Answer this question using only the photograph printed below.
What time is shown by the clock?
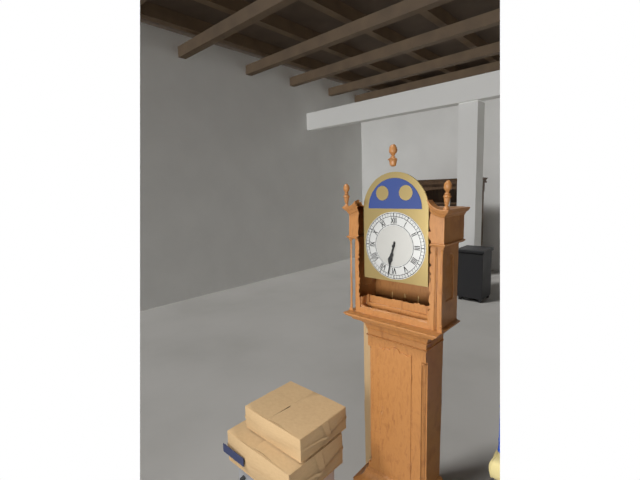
6:32
